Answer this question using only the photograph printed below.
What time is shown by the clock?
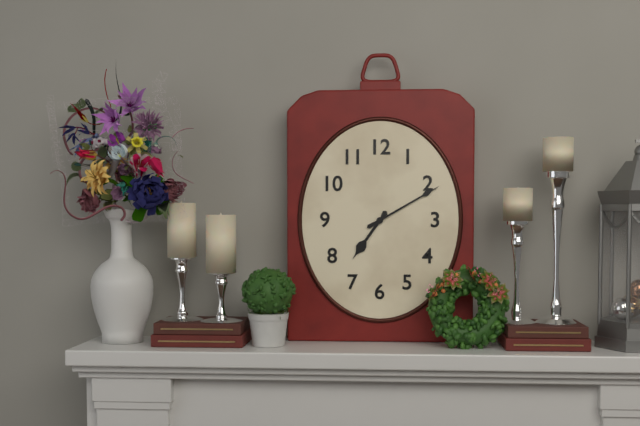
7:10
